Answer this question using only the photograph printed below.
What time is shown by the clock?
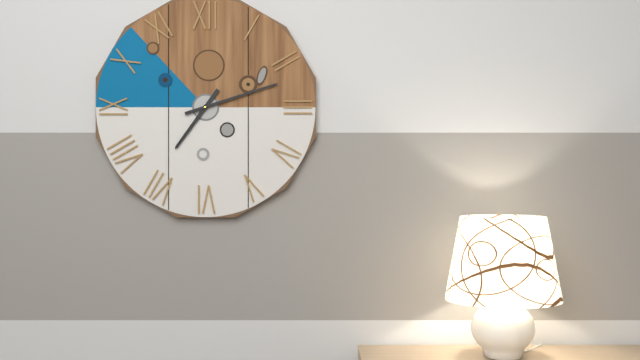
7:12
